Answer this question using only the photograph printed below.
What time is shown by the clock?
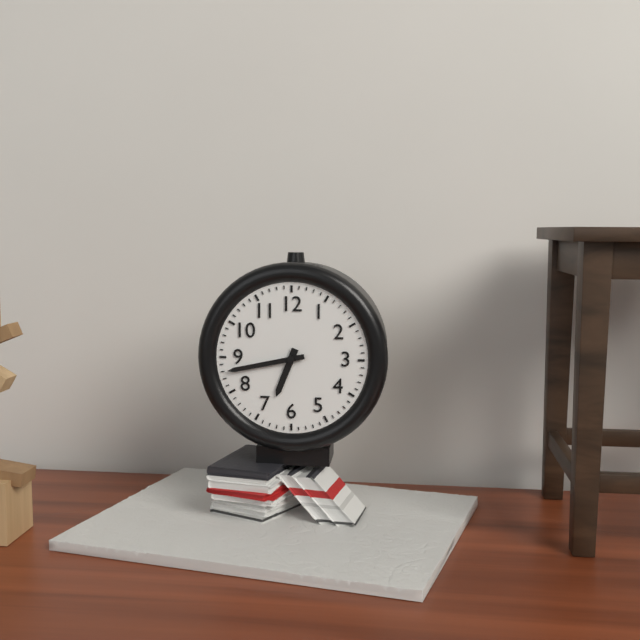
6:43
